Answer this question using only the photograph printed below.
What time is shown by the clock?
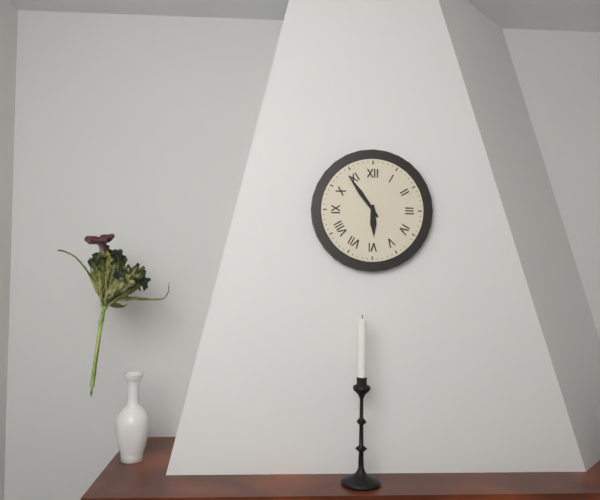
5:54
